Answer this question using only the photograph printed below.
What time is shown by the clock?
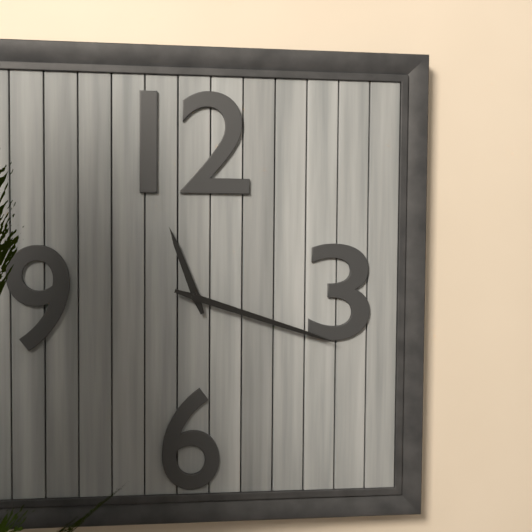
11:18
